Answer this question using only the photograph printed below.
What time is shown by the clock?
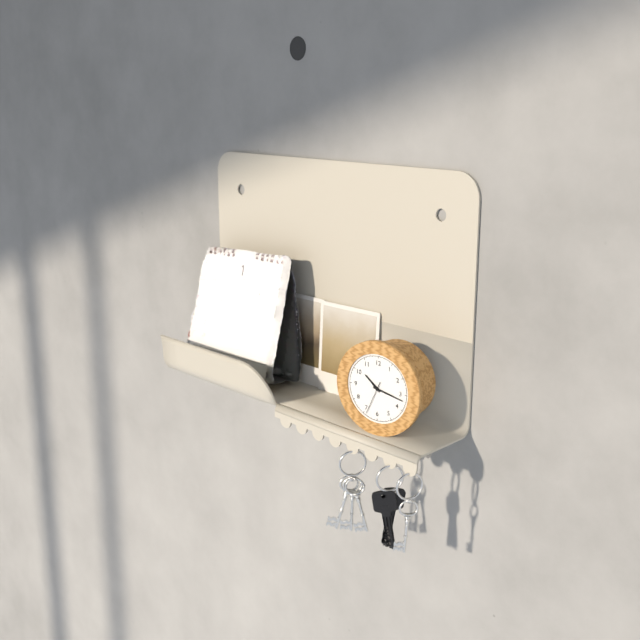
10:17
